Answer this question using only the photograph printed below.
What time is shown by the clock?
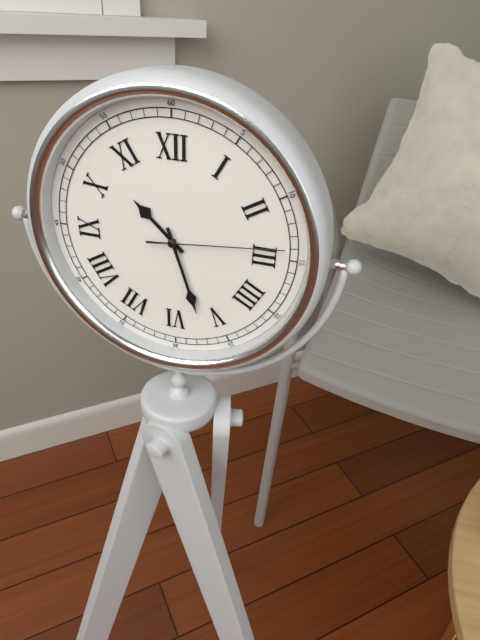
10:27:14
